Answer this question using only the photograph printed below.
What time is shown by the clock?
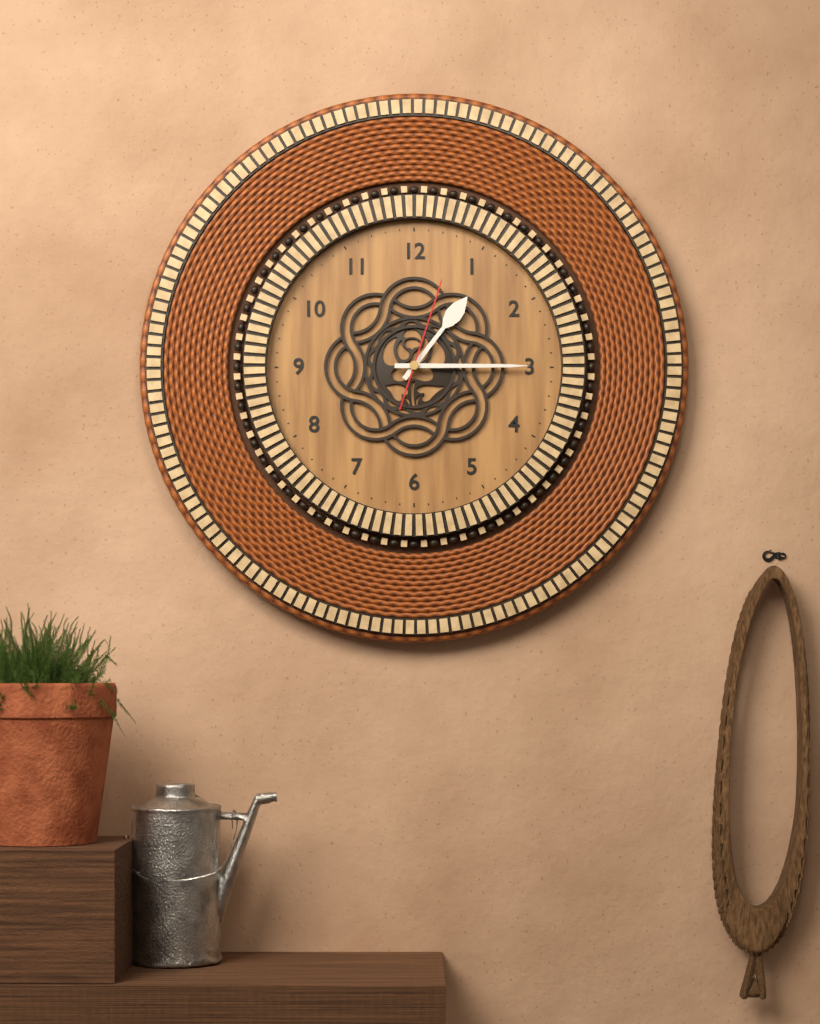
1:15:03
